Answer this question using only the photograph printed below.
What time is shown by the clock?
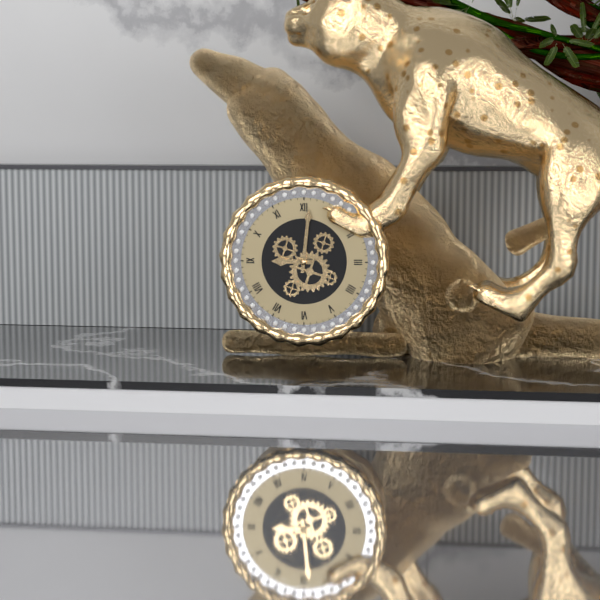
9:01
